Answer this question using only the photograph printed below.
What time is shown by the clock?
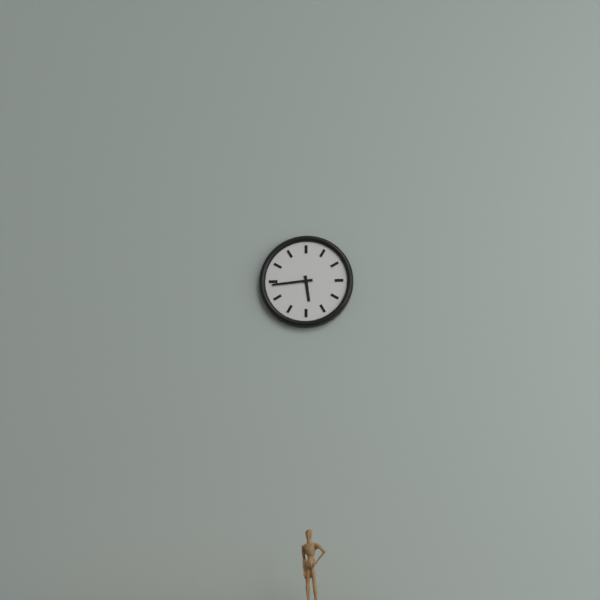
5:44
